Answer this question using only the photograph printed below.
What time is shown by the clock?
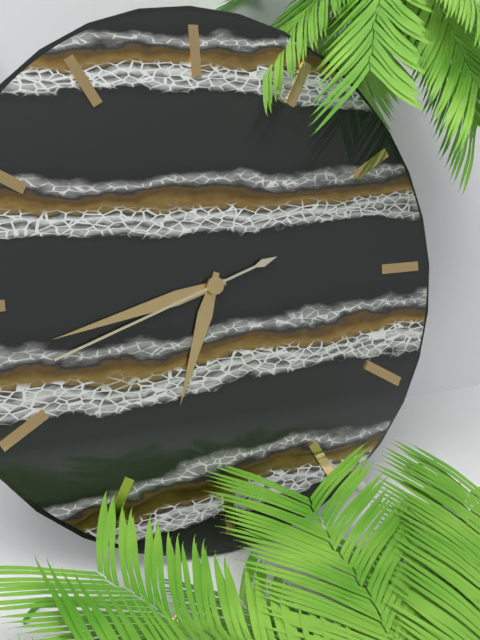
6:43:42
